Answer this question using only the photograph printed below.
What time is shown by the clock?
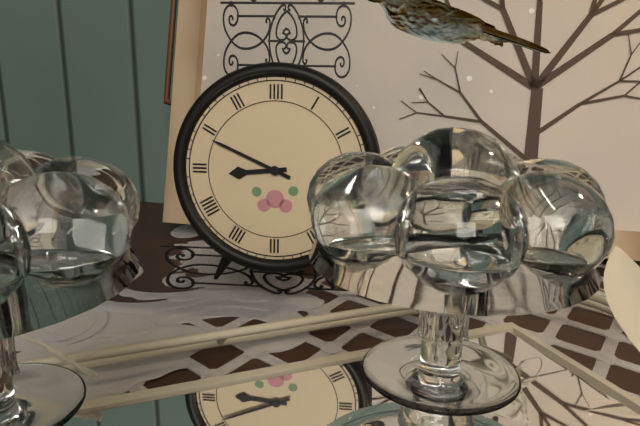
8:49
